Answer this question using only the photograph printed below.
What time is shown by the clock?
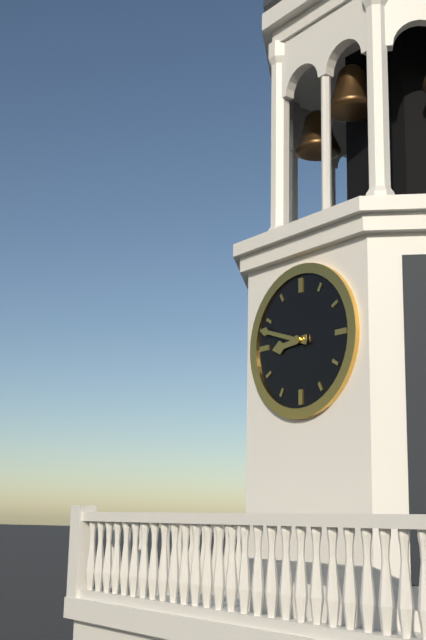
8:48
